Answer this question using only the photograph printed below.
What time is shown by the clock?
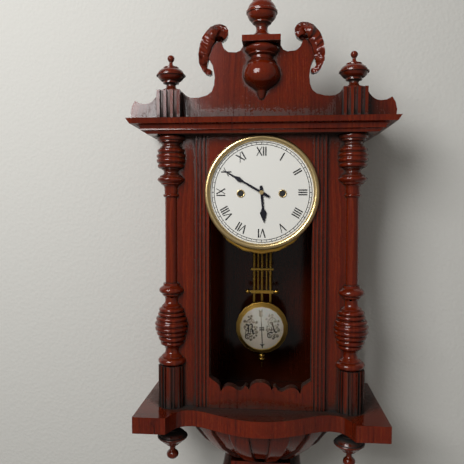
5:50
